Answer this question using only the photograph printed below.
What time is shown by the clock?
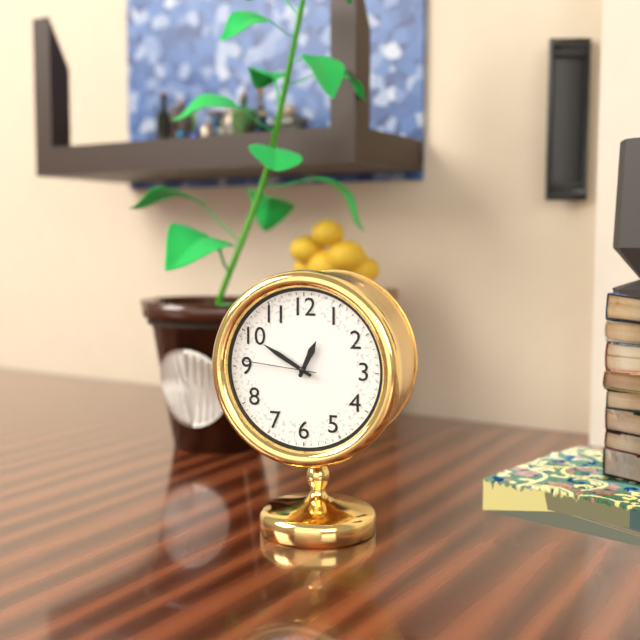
12:50:46
